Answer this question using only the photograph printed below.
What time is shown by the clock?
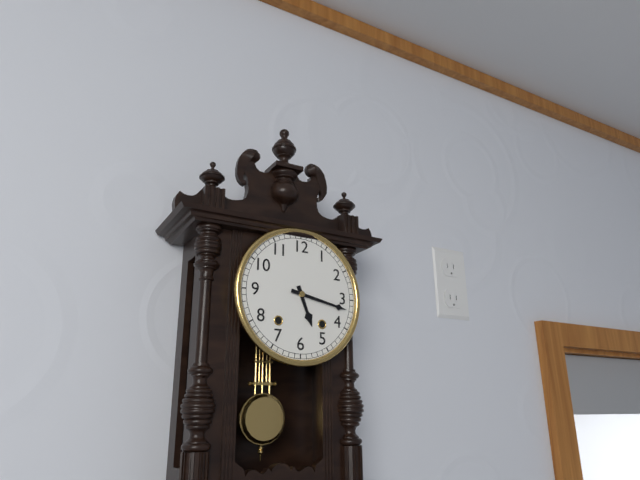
5:17
